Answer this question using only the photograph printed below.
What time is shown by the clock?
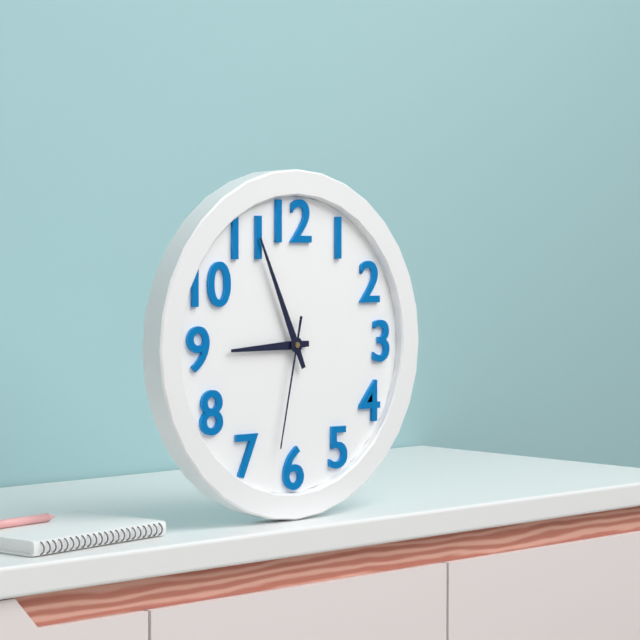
8:56:32
